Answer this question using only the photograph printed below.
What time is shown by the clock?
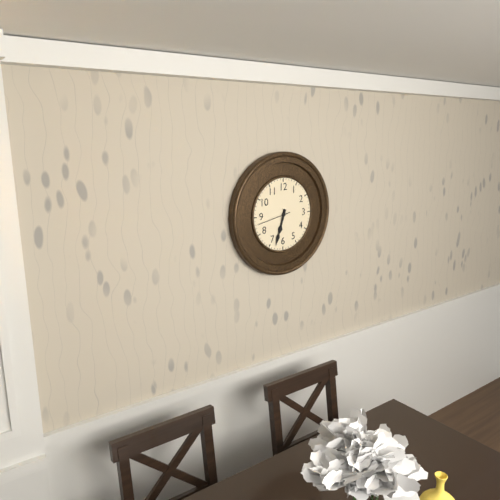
6:33
